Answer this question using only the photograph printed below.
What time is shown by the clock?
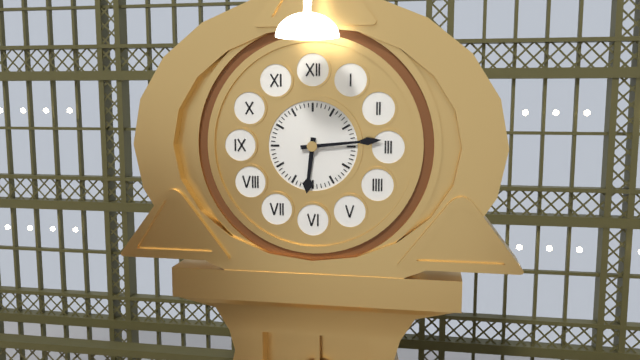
6:14
